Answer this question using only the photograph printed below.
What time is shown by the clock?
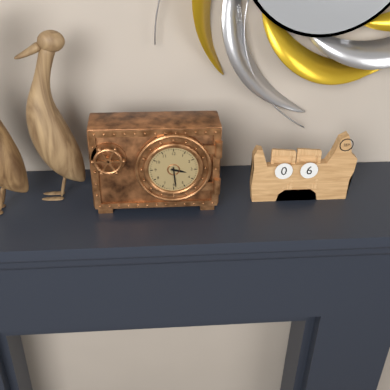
3:29
